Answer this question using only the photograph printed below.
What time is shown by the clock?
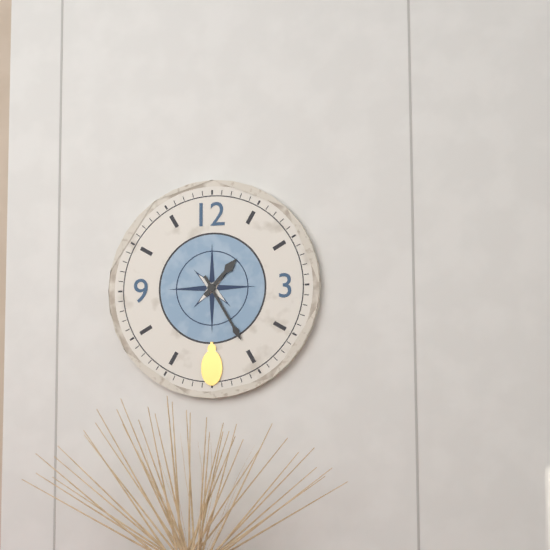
1:25
